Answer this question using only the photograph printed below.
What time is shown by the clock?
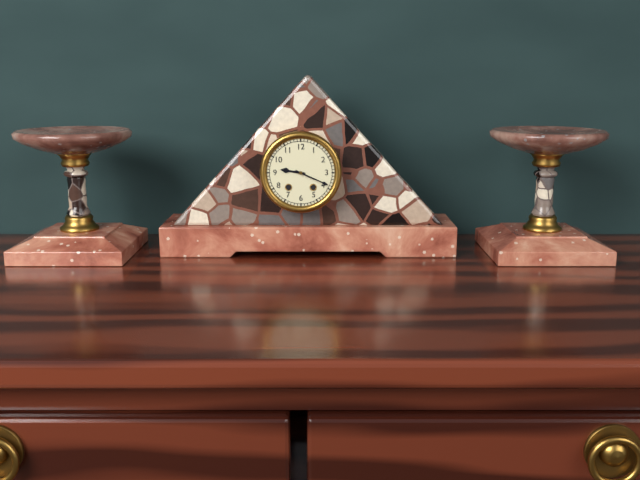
9:19
